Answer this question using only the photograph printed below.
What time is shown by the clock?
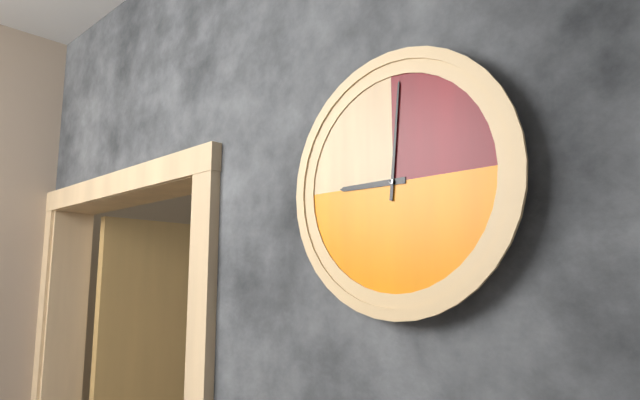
9:01
